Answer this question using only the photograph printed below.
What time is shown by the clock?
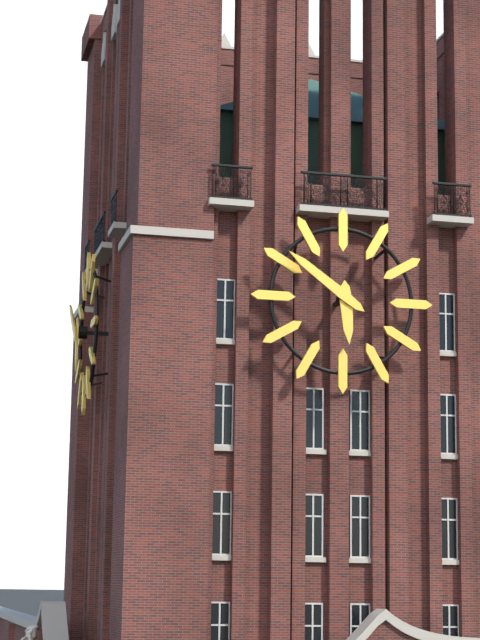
5:51
